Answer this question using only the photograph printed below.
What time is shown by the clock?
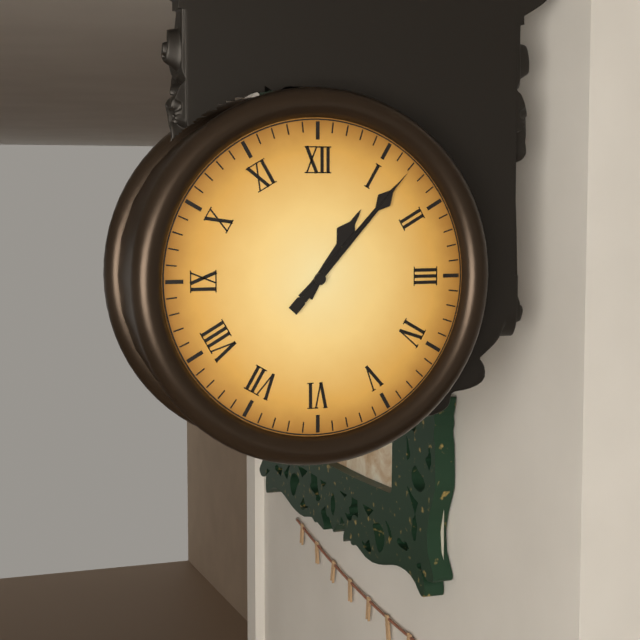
1:07:07
